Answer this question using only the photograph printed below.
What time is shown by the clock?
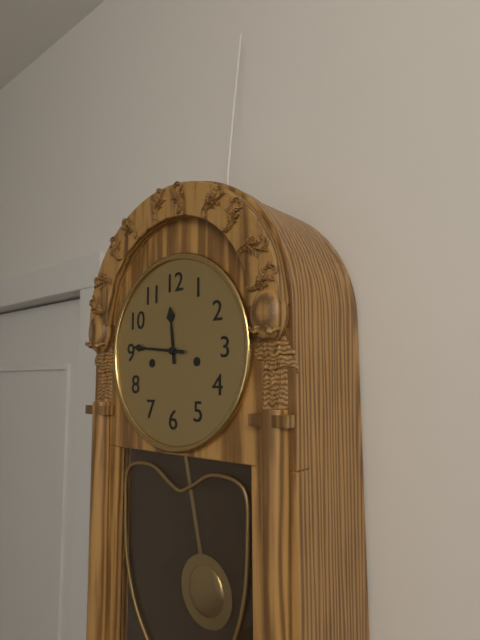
11:46
